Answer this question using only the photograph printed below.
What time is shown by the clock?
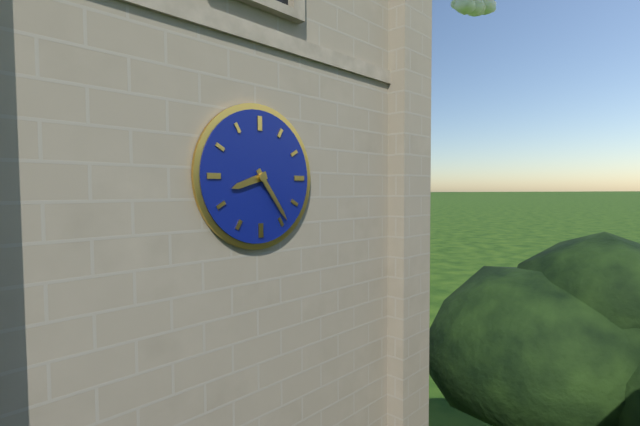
8:24
